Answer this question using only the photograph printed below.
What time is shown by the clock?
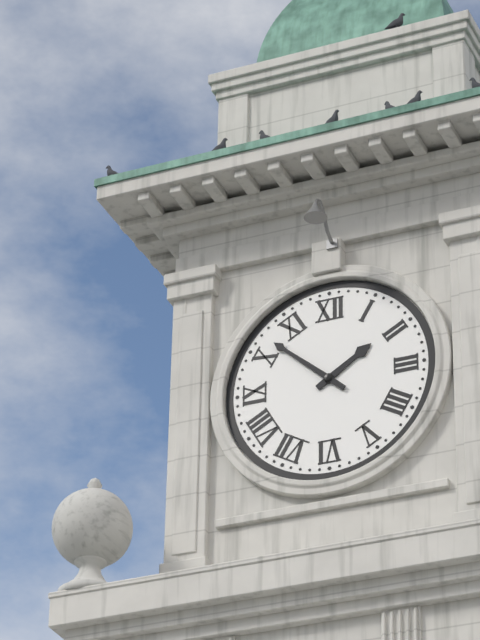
1:52
